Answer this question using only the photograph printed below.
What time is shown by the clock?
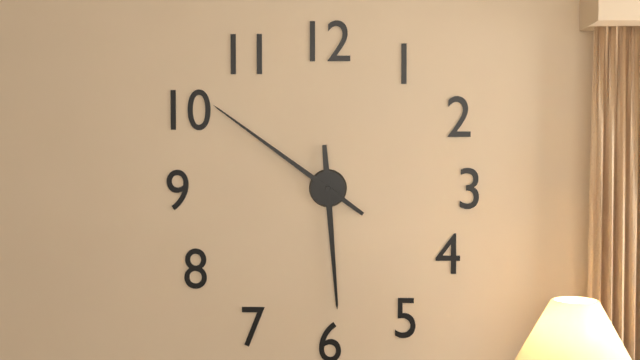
5:51
